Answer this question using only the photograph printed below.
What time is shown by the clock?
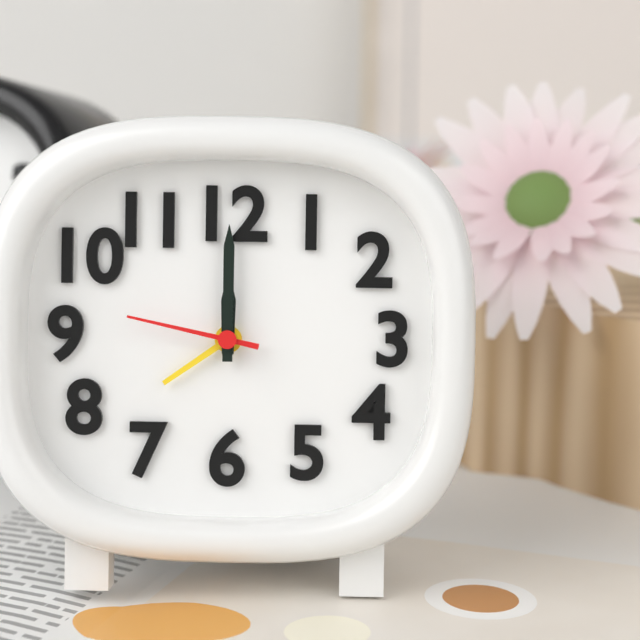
12:00:47
